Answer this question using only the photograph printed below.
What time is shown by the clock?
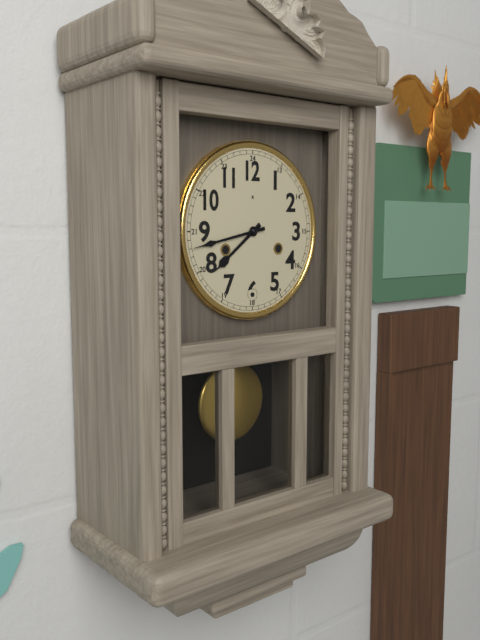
7:43
